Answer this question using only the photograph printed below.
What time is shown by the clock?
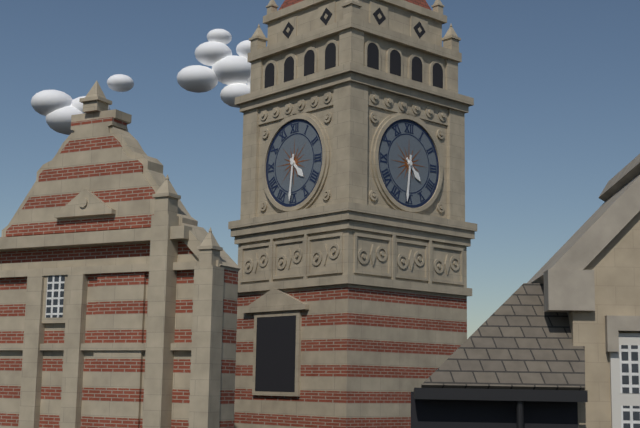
4:31
